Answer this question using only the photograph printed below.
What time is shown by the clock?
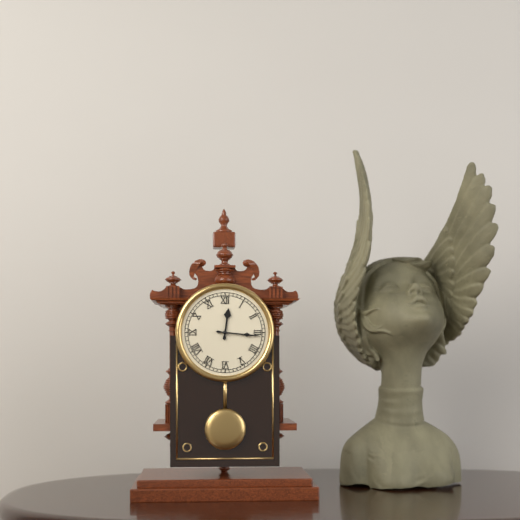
12:16
